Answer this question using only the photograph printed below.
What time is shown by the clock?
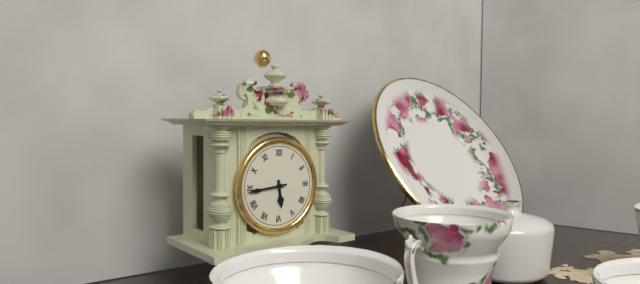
5:44
